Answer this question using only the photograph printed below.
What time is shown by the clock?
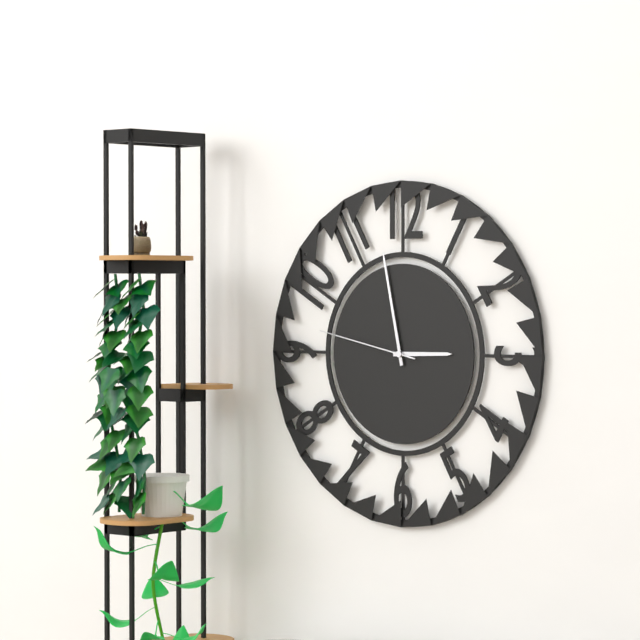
2:58:47
